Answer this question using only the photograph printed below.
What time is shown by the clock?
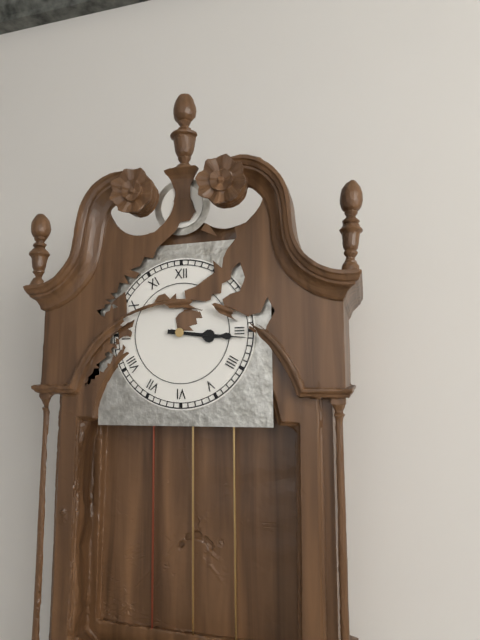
3:16
